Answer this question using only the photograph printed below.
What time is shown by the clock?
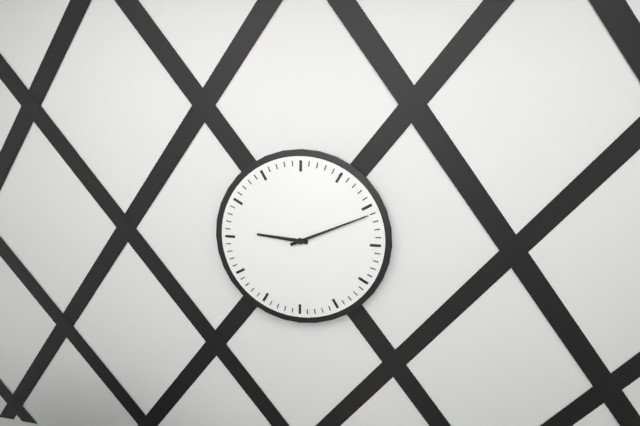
9:11
